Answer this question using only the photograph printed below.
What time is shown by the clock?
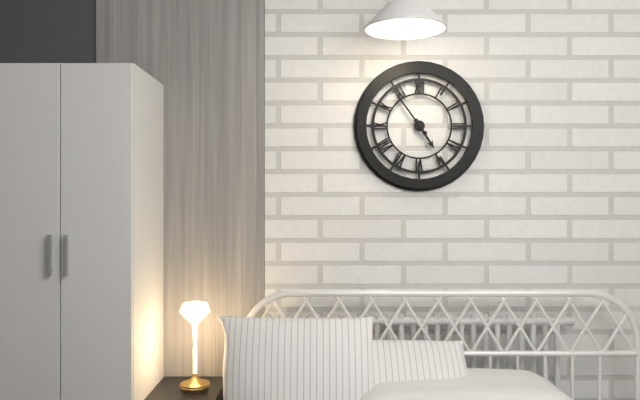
4:54
